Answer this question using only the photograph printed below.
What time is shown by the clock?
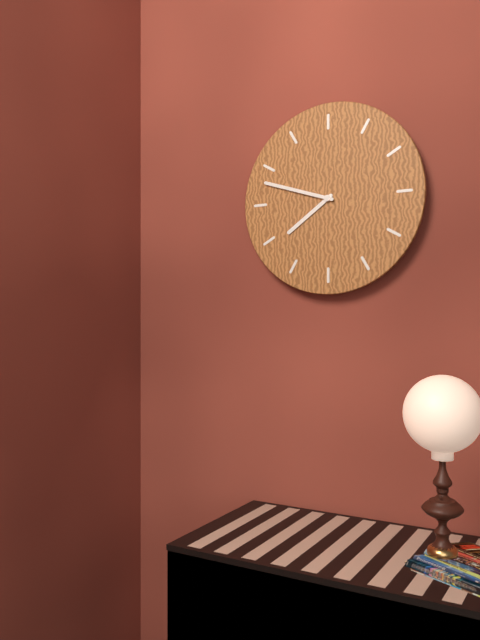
7:48
